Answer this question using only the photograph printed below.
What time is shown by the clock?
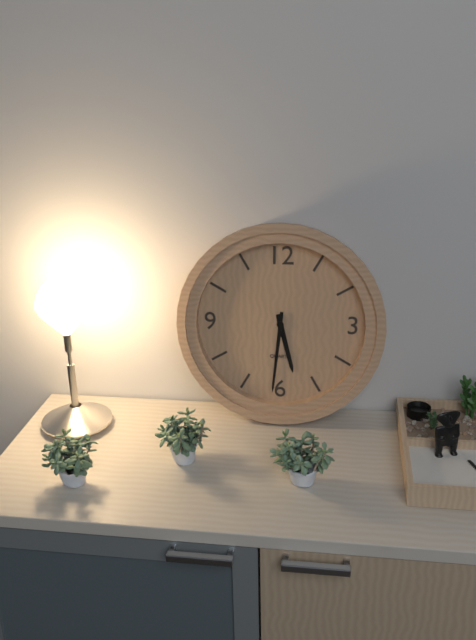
5:31
